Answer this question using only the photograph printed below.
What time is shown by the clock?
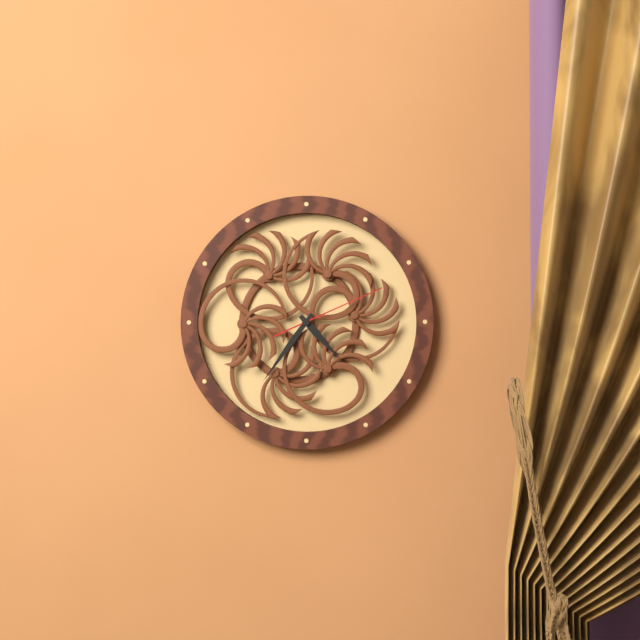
4:36:11
